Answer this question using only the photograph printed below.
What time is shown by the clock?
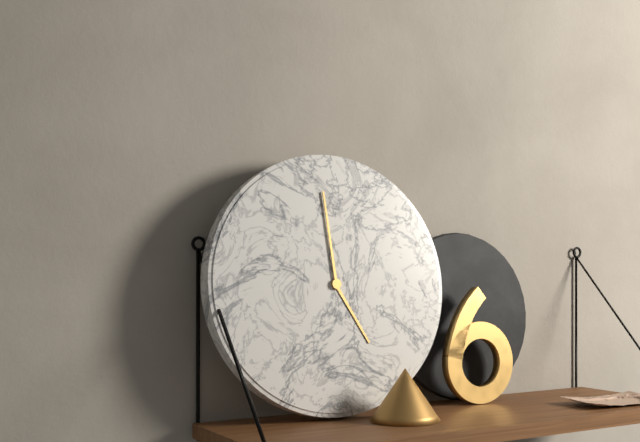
4:59
